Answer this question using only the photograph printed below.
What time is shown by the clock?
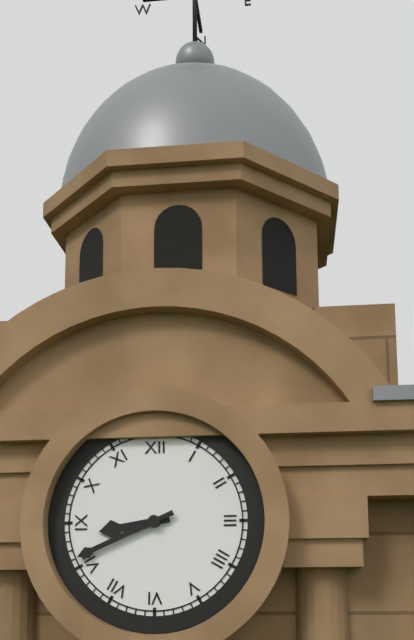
8:41
